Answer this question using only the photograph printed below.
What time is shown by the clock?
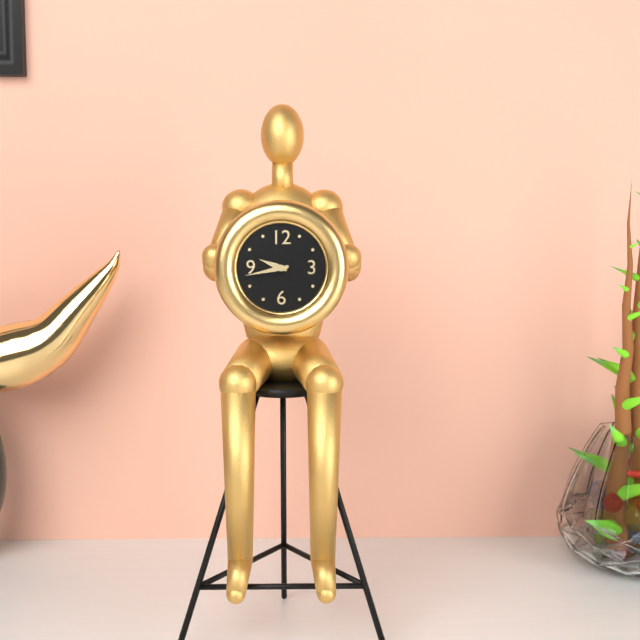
9:43
